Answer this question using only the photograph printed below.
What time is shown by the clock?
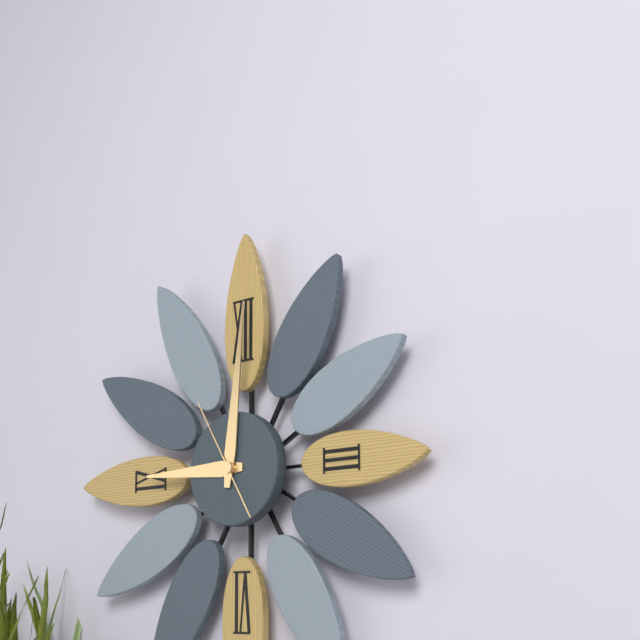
9:01:55
